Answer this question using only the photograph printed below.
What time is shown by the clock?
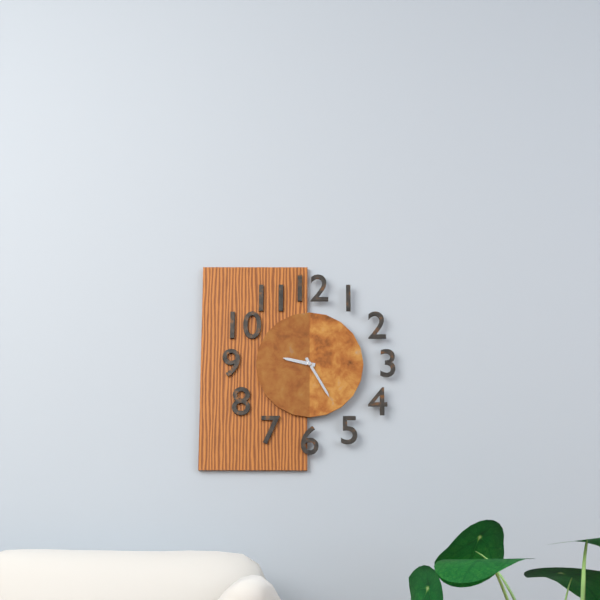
9:25
